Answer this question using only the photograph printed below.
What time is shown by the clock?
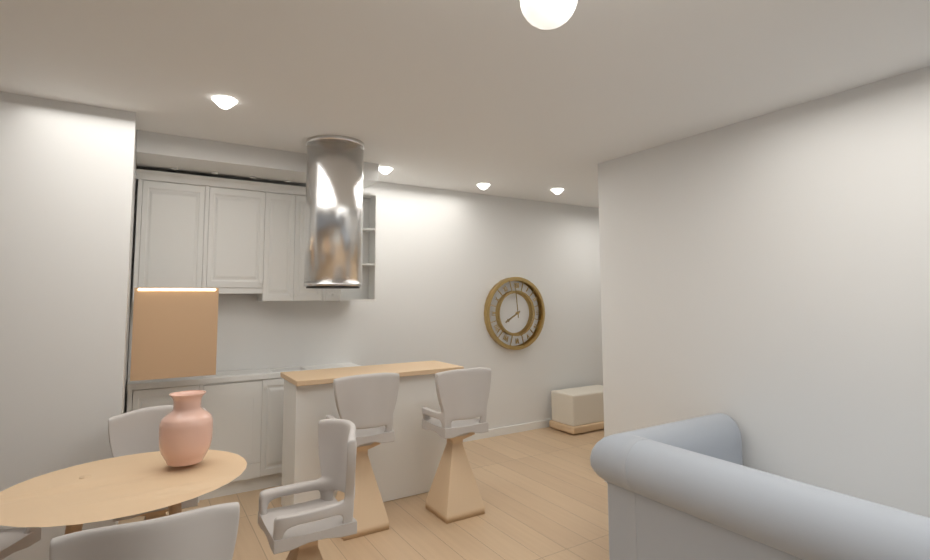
7:59
